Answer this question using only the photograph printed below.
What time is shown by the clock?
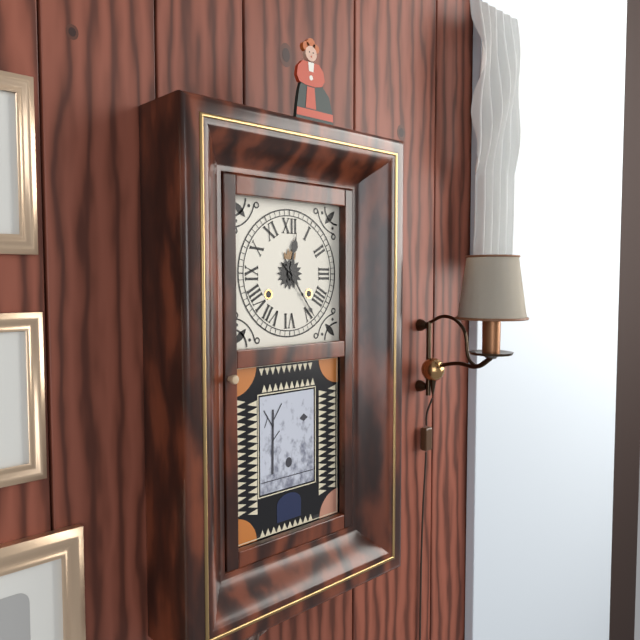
12:24
